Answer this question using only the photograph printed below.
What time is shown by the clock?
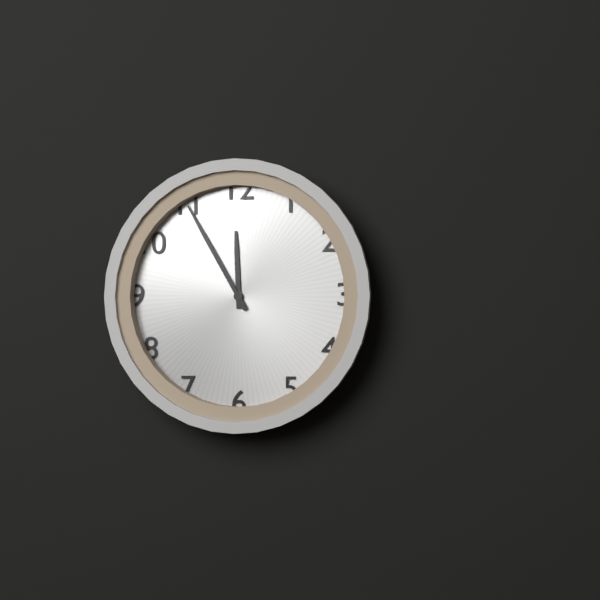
11:55
